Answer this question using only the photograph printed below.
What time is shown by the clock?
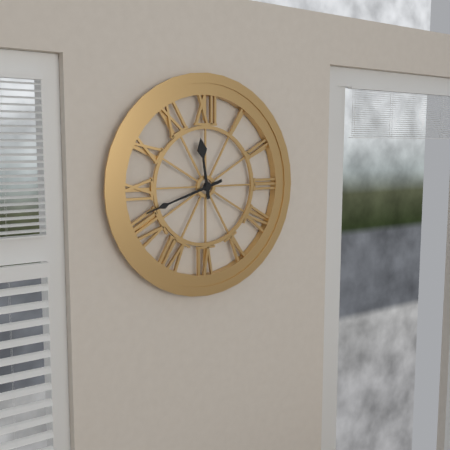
11:42
